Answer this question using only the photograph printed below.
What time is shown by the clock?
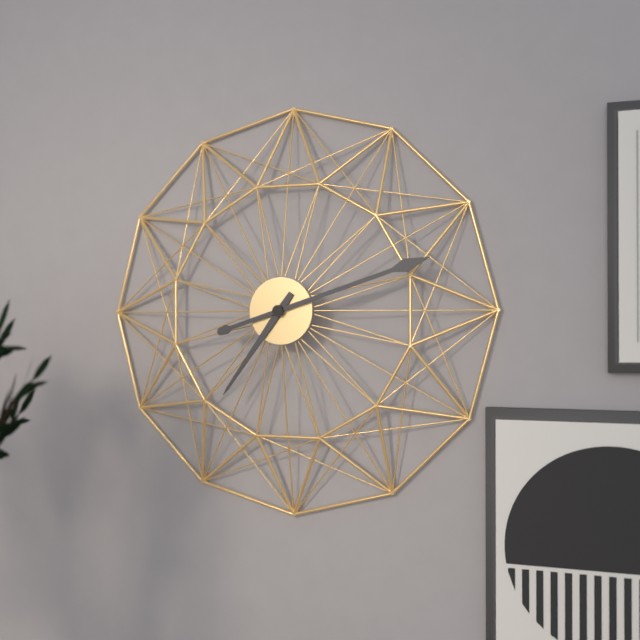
7:12
